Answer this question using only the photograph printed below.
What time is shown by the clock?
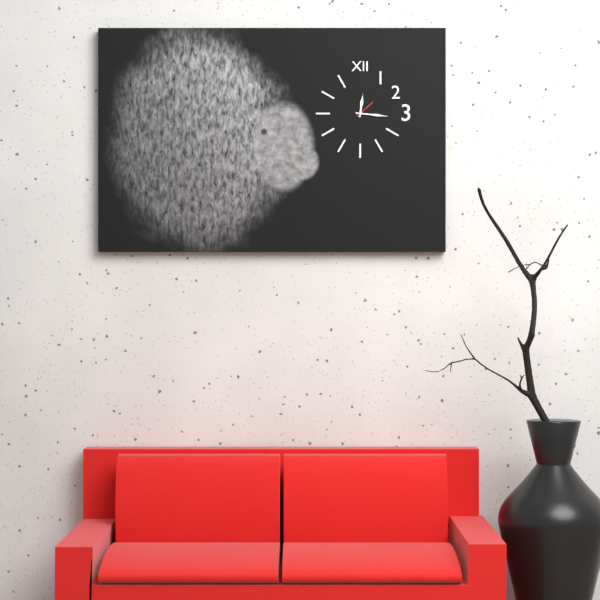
12:16
